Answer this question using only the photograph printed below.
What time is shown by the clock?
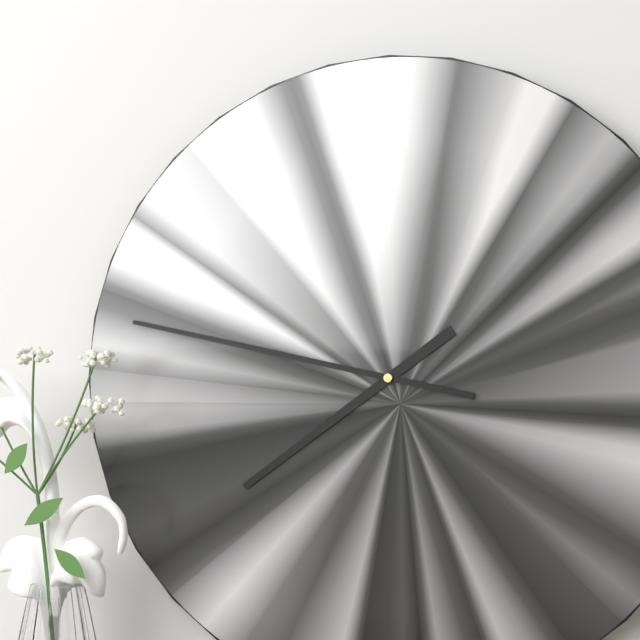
7:47
